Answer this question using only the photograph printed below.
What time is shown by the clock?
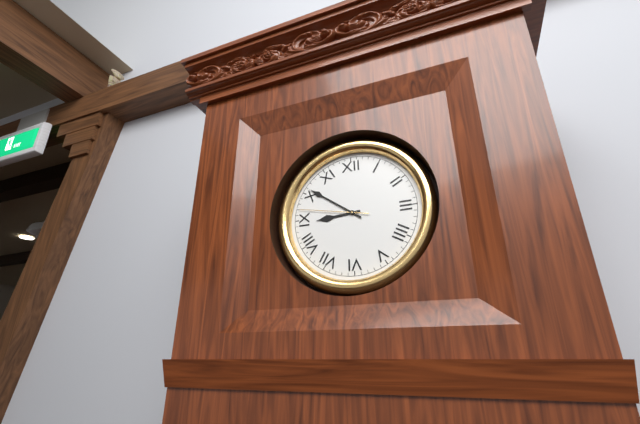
8:51:47
